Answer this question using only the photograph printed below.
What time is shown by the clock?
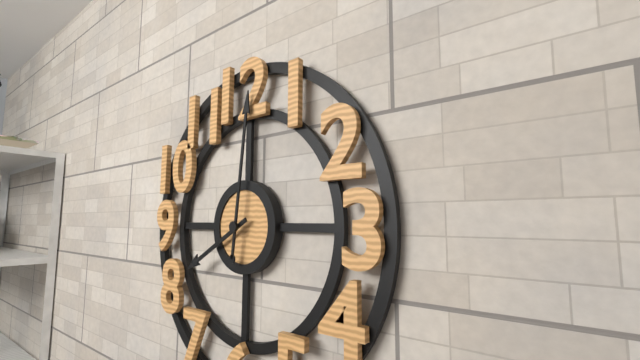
8:01
